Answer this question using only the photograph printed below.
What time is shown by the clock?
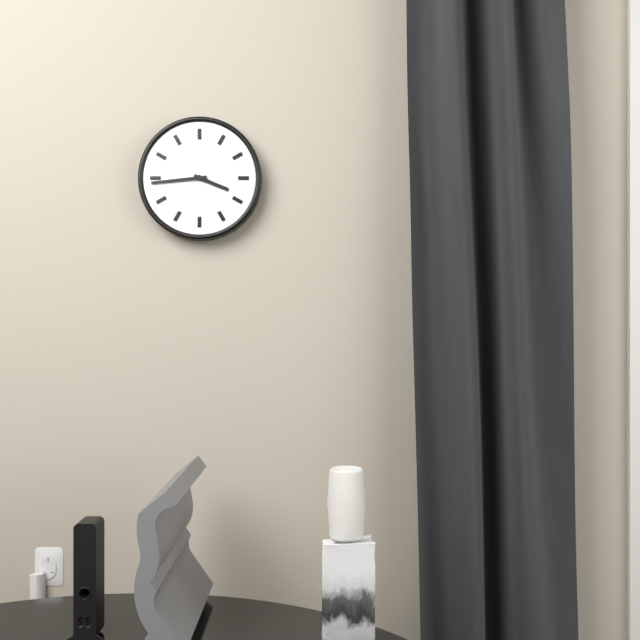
3:44
